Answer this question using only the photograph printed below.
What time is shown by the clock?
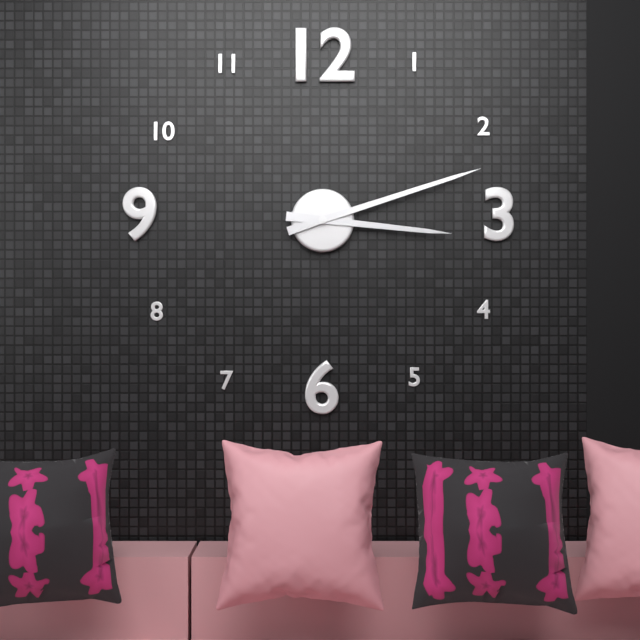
3:12
